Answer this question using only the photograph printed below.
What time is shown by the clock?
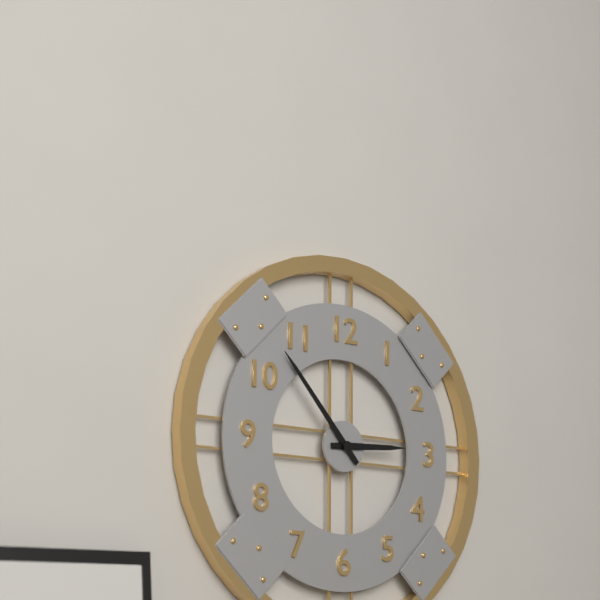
2:53
